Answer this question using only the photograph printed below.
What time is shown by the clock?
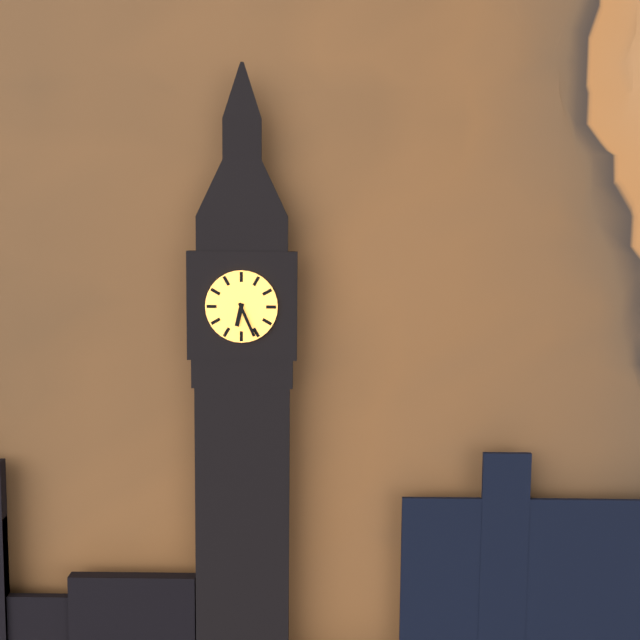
6:26
